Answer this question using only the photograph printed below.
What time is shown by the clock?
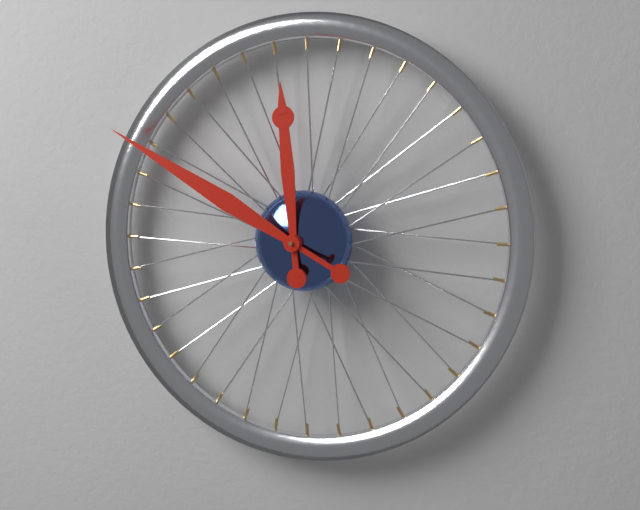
11:50
